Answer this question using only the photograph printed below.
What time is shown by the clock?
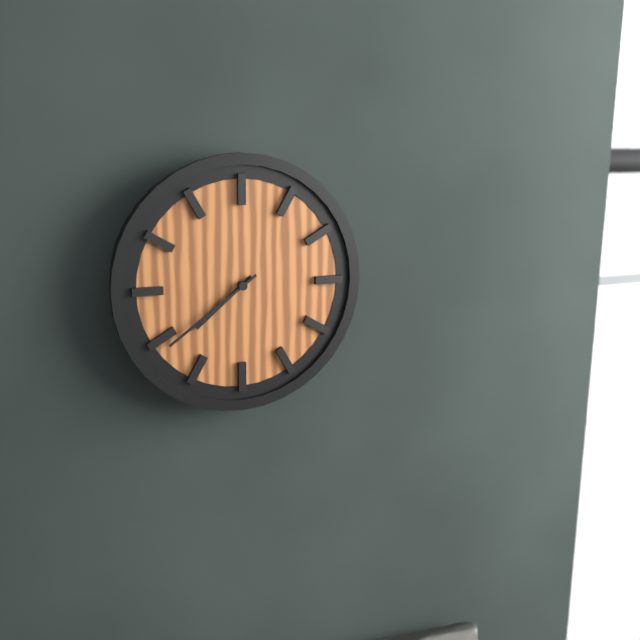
7:39
